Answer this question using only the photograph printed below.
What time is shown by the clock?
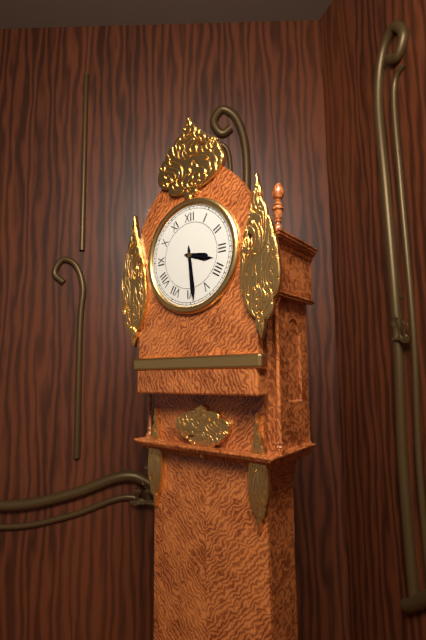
3:29
